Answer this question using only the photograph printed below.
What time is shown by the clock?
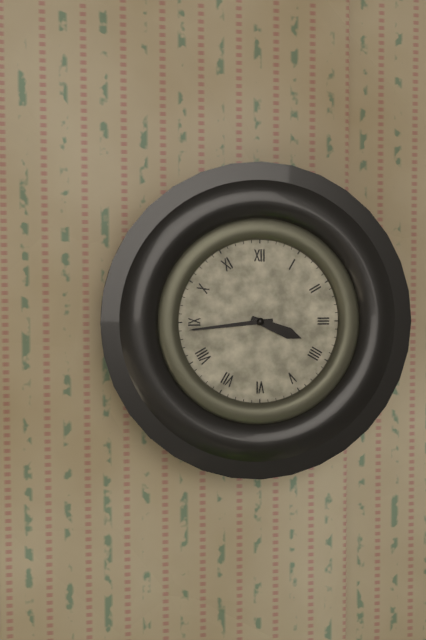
3:44
